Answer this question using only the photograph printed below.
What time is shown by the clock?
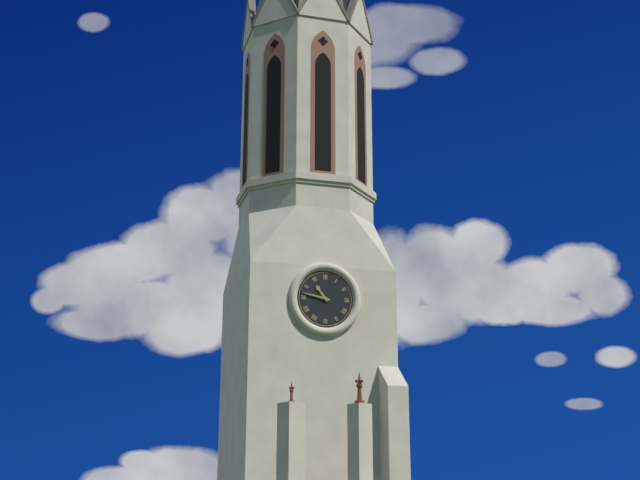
10:47
